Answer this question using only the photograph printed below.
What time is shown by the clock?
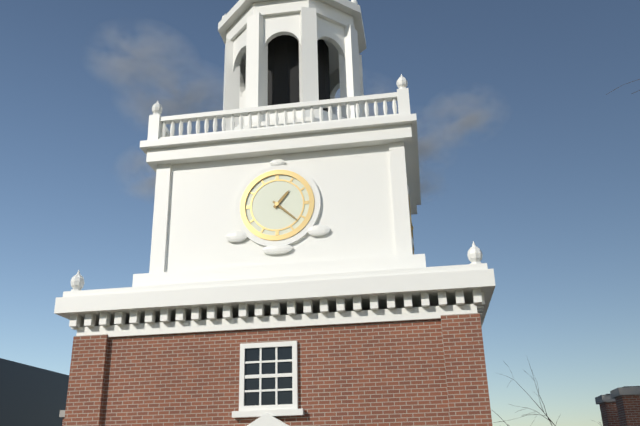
1:22
